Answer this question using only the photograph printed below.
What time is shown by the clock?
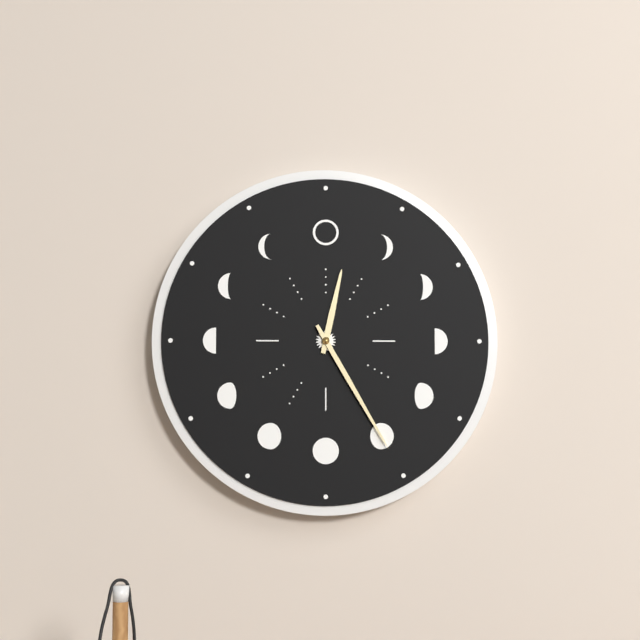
12:25
